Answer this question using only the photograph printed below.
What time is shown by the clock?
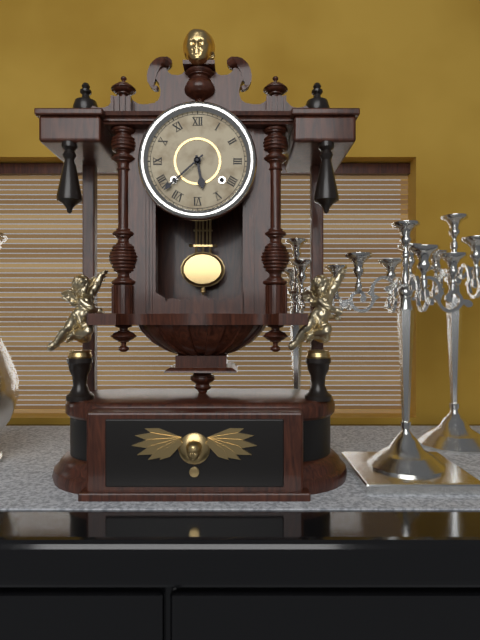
5:38
